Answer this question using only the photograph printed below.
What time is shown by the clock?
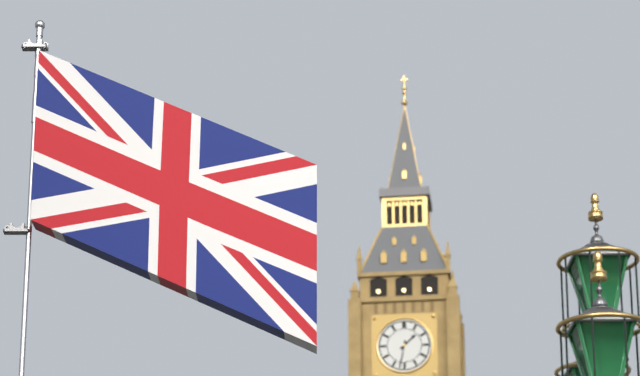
1:32
